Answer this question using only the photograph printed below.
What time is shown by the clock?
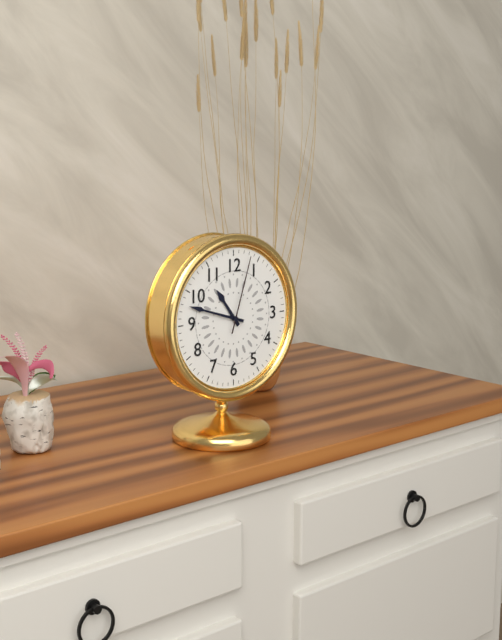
10:48:03
